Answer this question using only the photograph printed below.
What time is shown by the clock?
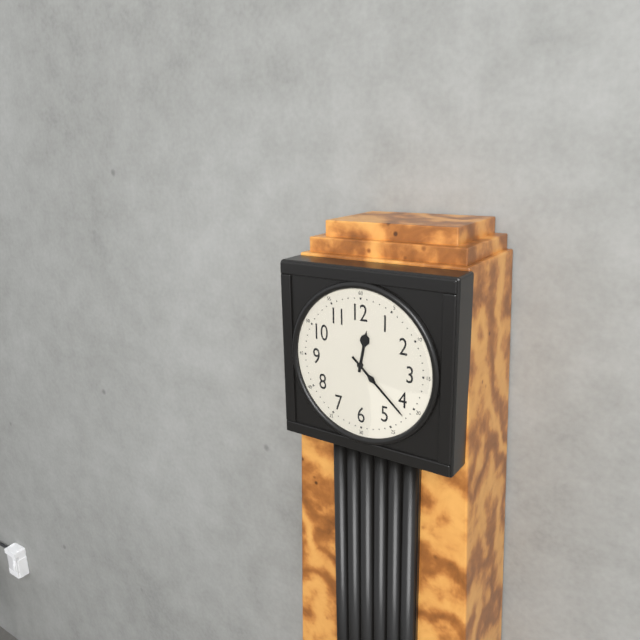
12:22
